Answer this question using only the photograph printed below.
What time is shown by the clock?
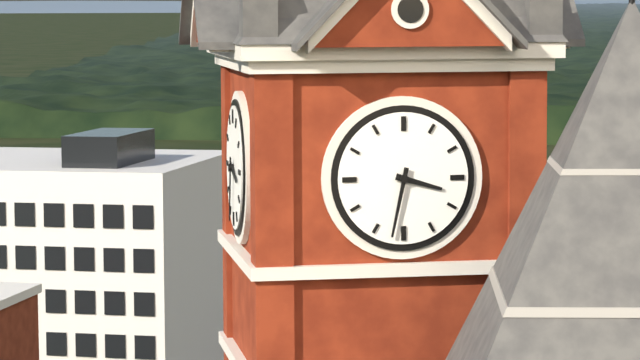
3:32
